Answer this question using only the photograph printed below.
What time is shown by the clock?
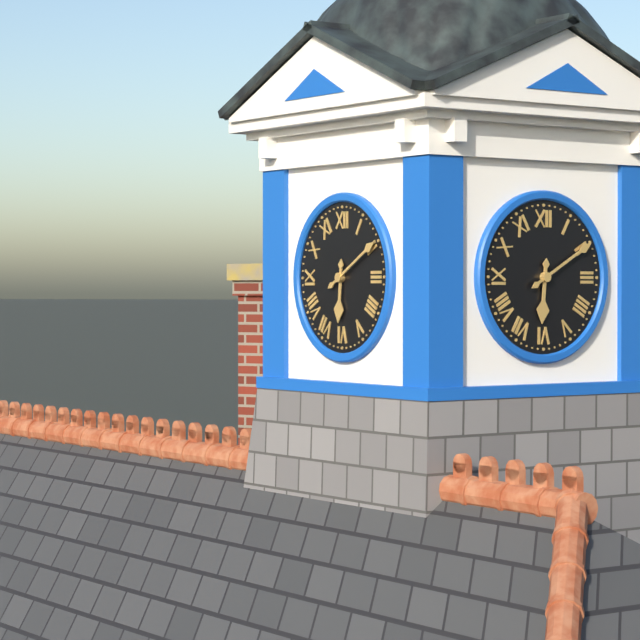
6:10
